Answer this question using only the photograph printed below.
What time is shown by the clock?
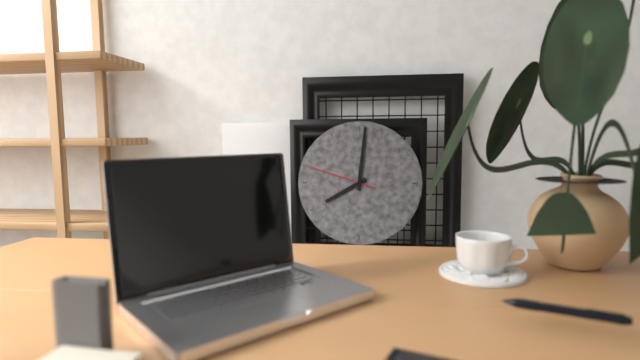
8:01:48
